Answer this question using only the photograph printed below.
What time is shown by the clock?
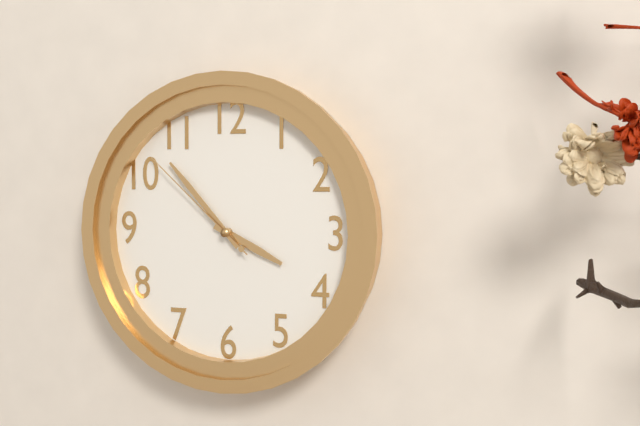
3:53:52
